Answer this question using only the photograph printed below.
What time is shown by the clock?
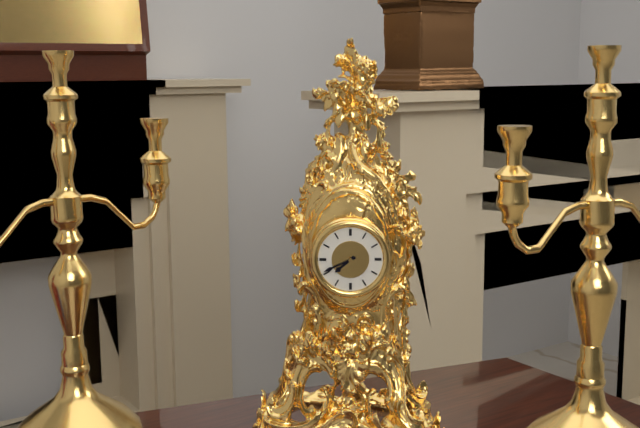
7:41
